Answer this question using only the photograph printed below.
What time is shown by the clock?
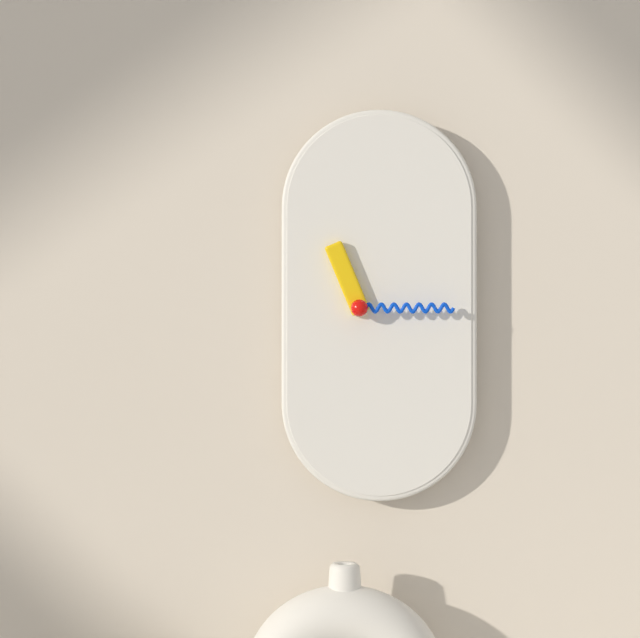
11:15
